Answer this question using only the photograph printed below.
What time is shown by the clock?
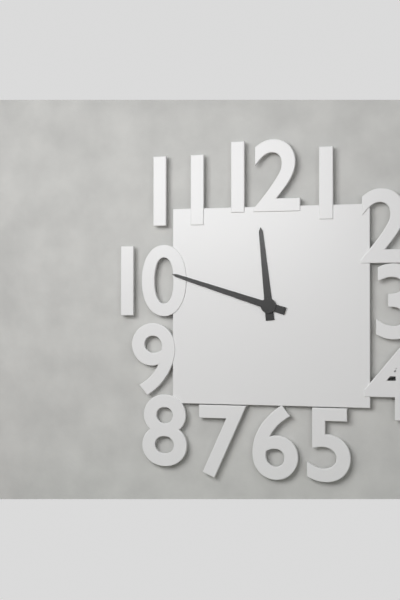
11:48
